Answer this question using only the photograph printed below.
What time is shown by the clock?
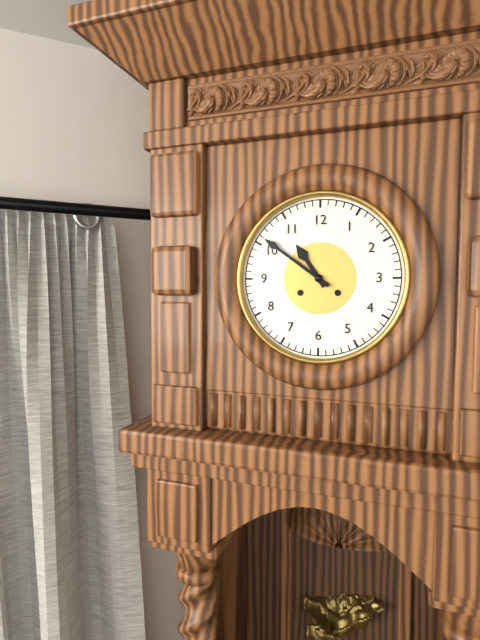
10:51
